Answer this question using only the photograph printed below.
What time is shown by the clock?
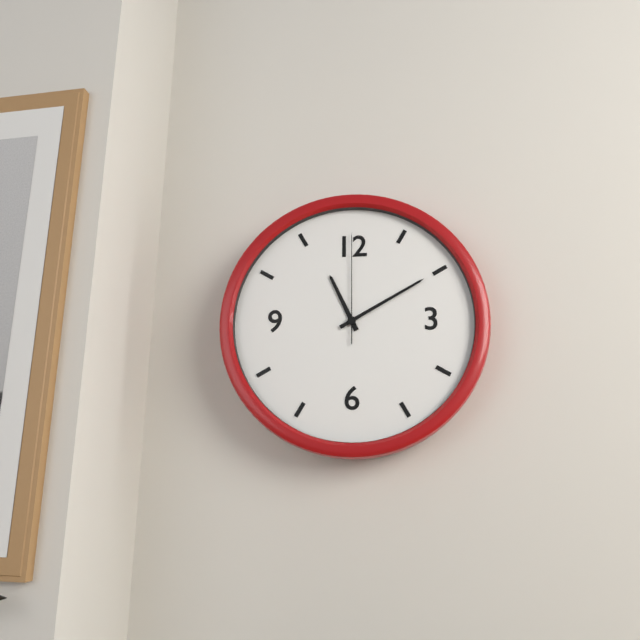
11:10:00
